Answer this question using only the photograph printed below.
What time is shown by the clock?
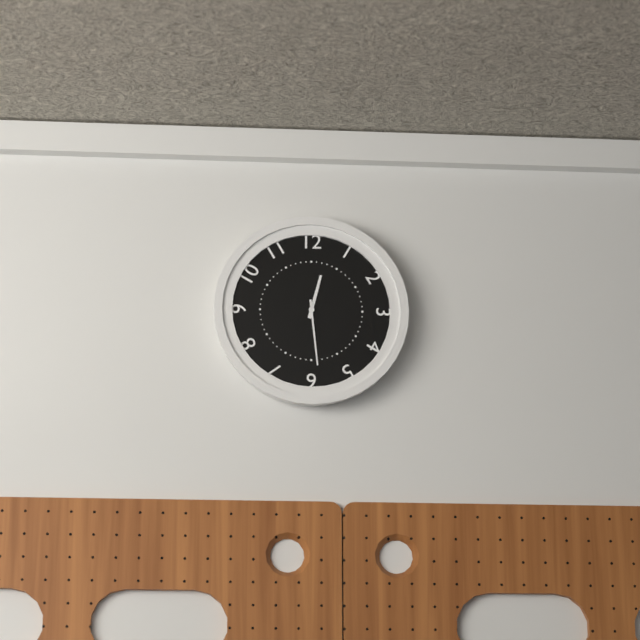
12:29
